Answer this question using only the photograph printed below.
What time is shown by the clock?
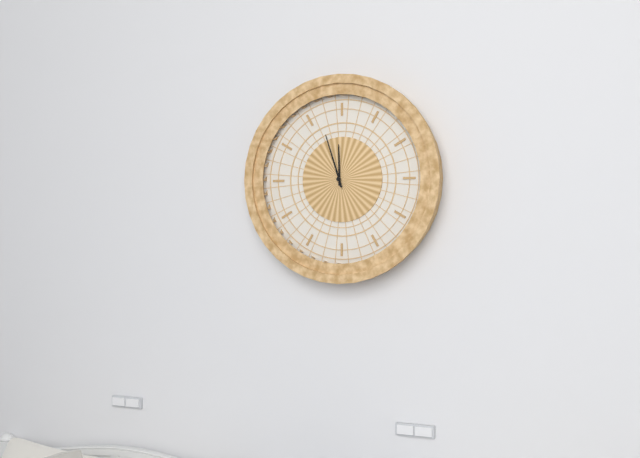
11:57
